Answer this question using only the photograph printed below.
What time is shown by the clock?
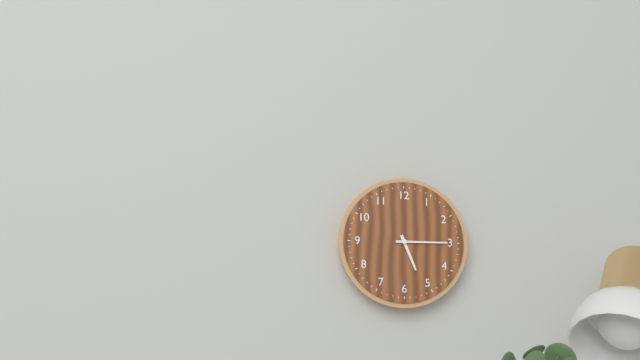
5:15
